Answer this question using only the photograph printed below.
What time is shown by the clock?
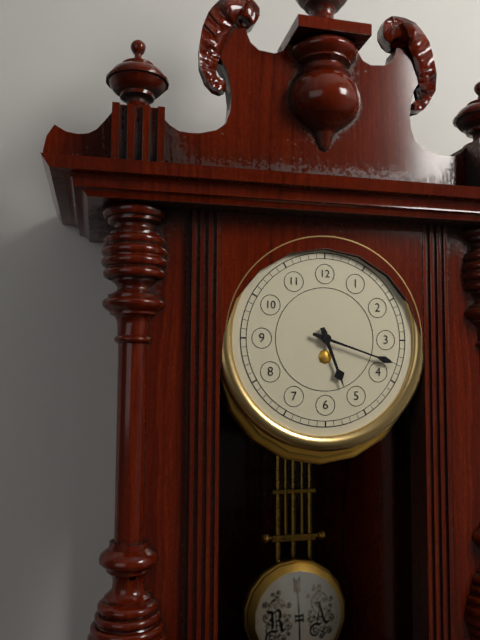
5:18
